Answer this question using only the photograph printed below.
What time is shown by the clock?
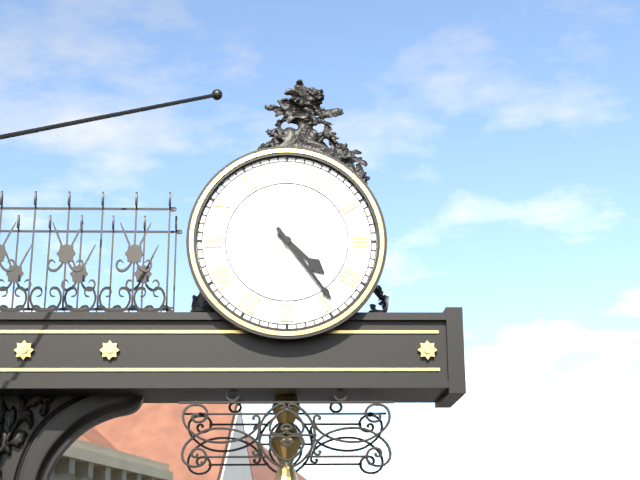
4:24
